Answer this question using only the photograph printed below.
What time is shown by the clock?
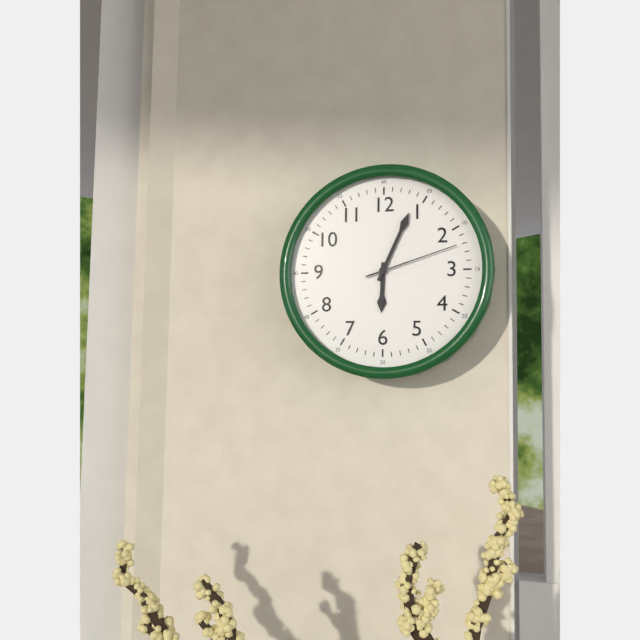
6:04:12
